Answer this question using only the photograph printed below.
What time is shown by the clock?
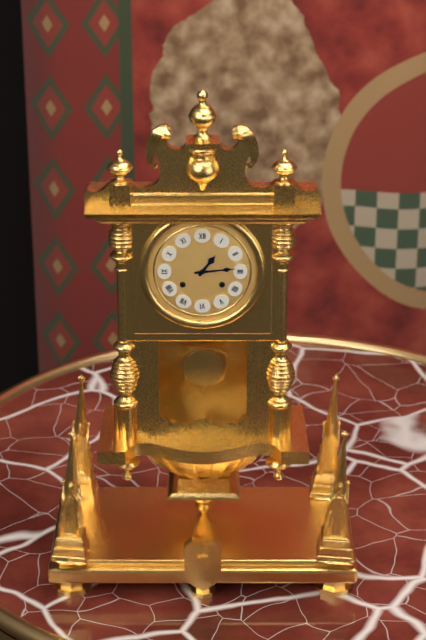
1:14
